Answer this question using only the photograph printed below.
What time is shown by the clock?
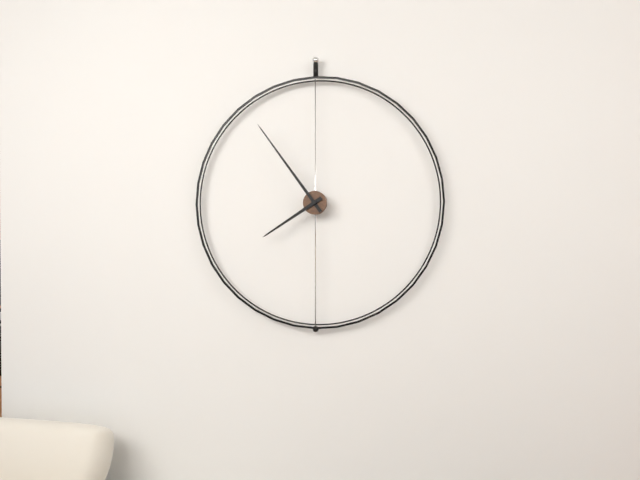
7:54
